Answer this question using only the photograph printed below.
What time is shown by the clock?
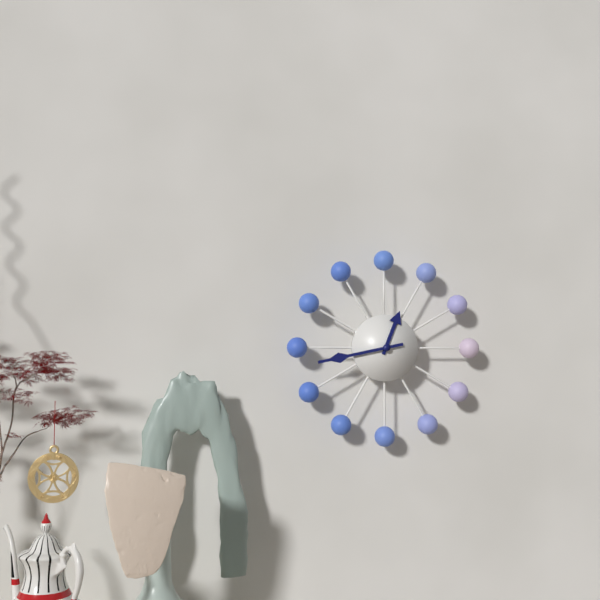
12:43
